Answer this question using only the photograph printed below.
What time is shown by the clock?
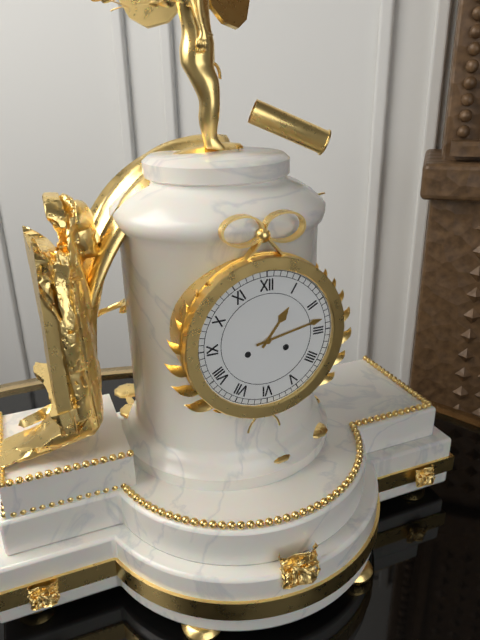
1:13
